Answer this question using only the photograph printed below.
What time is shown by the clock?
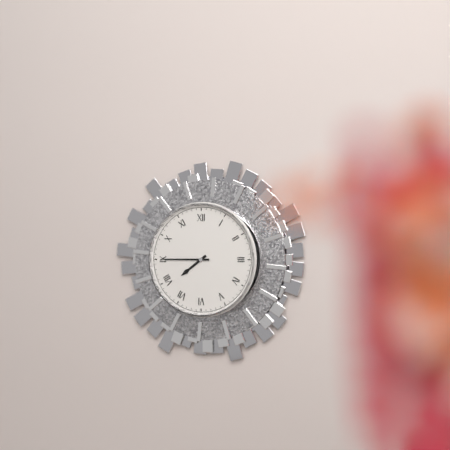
7:45
